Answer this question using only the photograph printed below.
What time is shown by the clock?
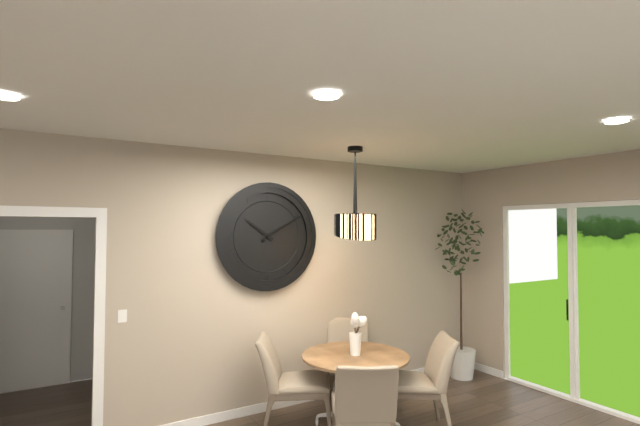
10:10
